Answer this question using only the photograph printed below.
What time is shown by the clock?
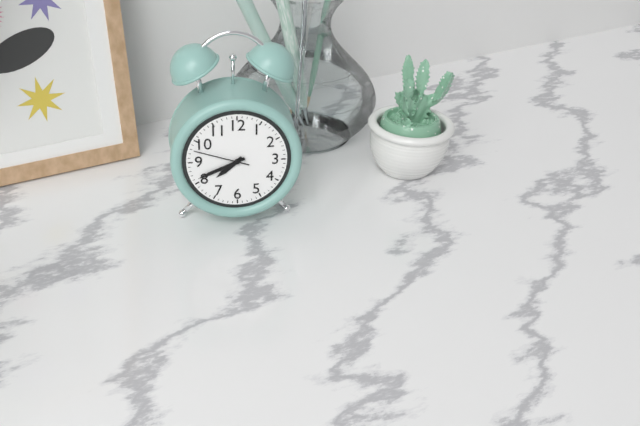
7:41:48
